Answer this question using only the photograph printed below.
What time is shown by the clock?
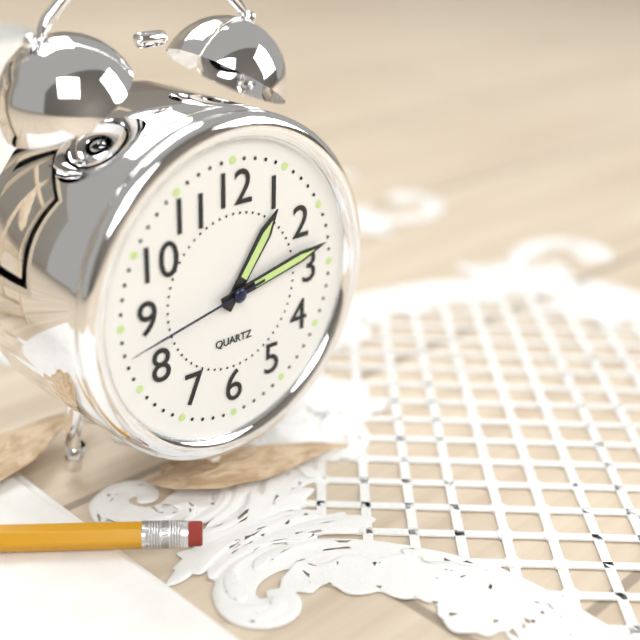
1:13:43
